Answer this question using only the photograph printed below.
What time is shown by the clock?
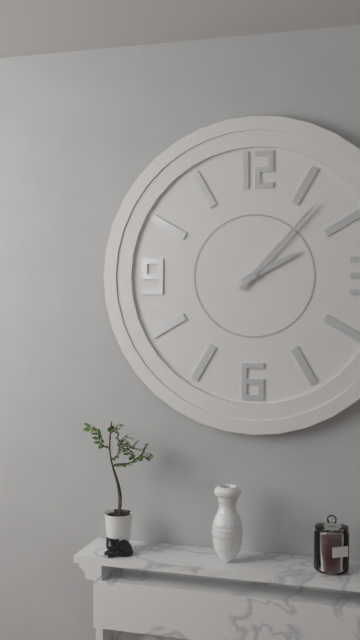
2:07
